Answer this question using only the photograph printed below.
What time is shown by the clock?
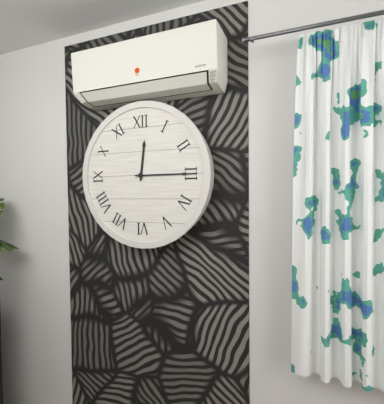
12:15
